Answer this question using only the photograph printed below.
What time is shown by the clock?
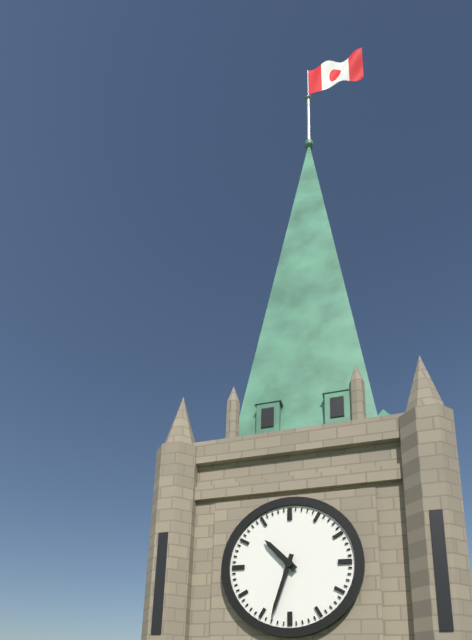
10:33
